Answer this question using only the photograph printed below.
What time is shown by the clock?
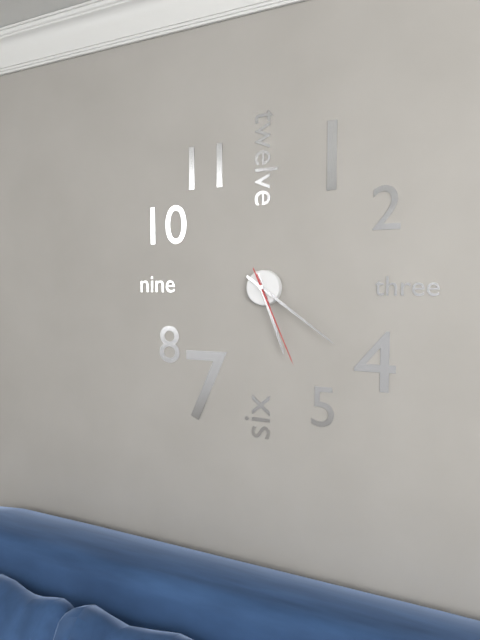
5:21:26
